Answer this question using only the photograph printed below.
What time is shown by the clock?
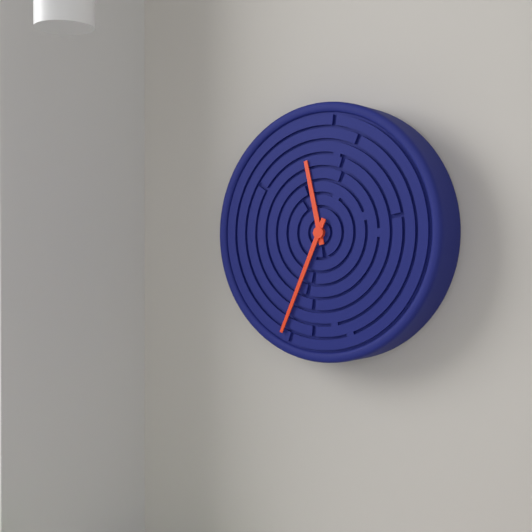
11:34
